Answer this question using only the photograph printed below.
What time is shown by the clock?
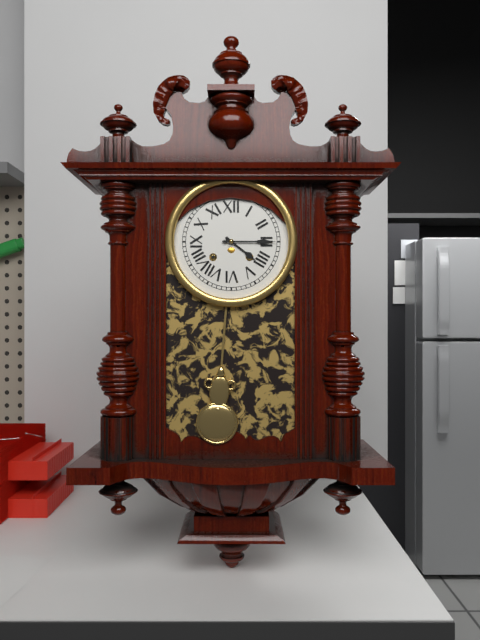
4:15
